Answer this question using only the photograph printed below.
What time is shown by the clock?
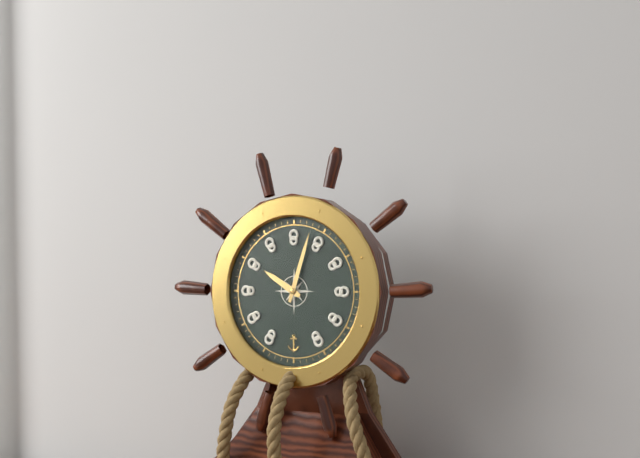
10:03
